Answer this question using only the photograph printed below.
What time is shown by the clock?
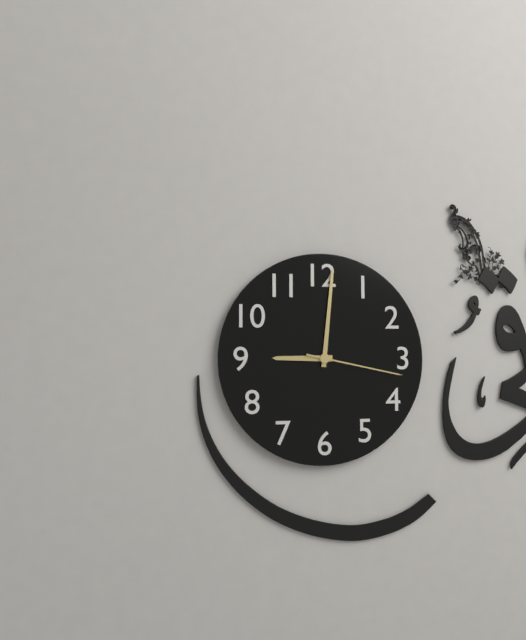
9:01:17
